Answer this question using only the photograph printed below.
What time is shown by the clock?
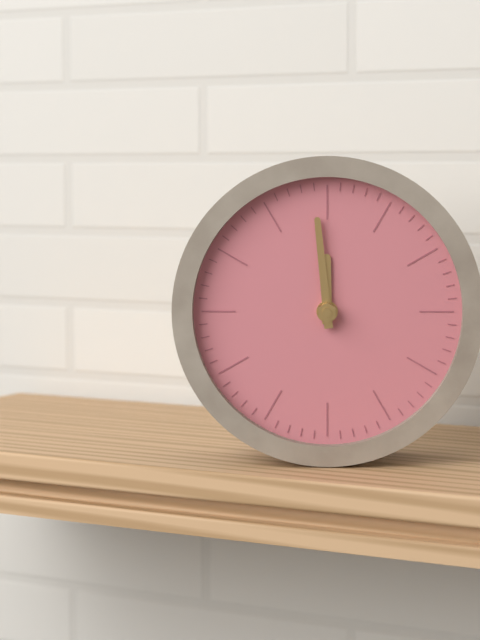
11:59
